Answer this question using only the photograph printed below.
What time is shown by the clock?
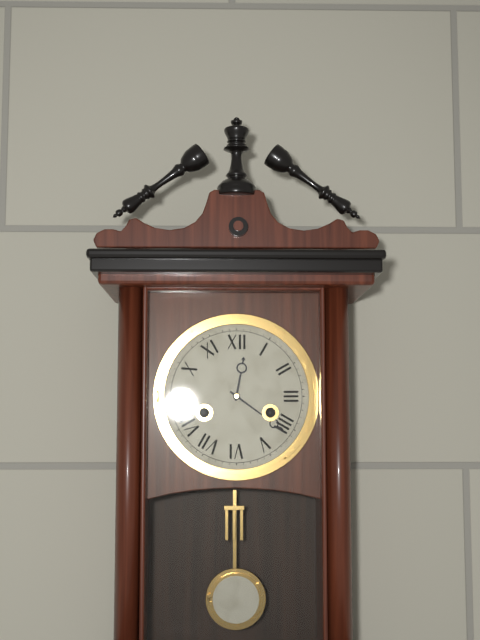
12:21
